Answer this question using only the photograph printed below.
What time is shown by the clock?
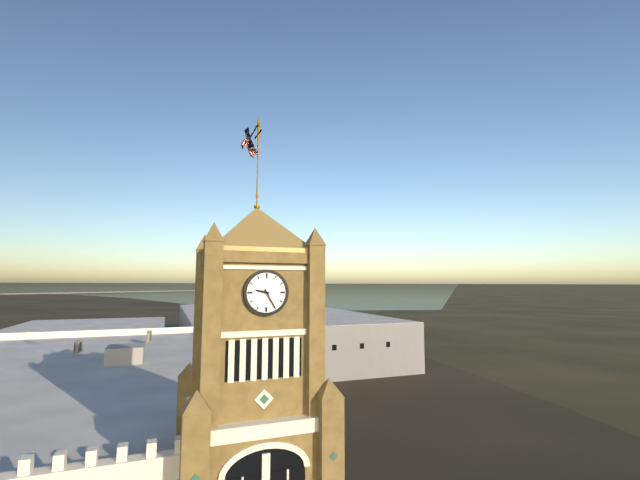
9:25
